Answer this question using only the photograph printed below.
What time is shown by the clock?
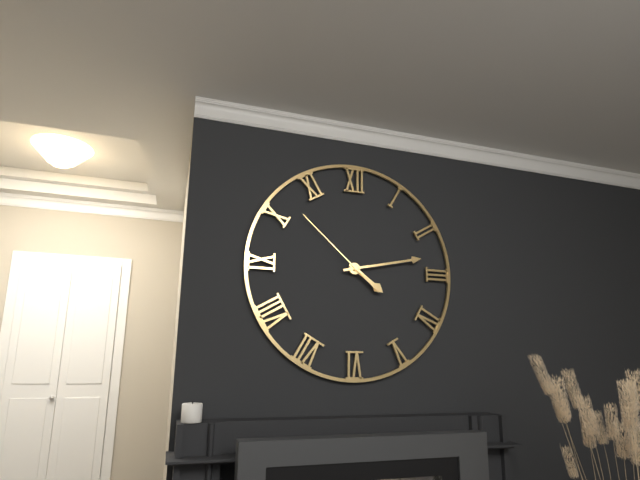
4:13:52
